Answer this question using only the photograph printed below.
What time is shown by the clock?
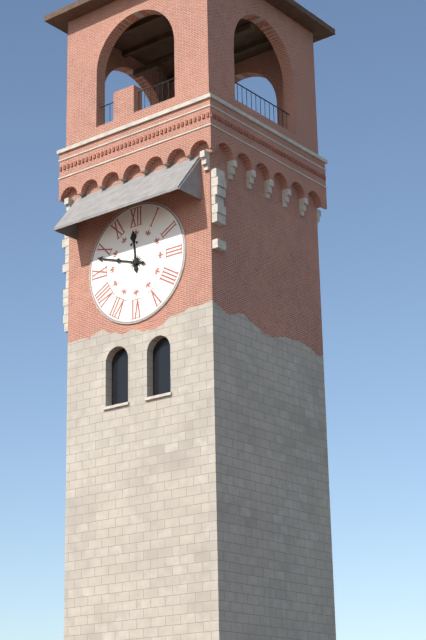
11:48
